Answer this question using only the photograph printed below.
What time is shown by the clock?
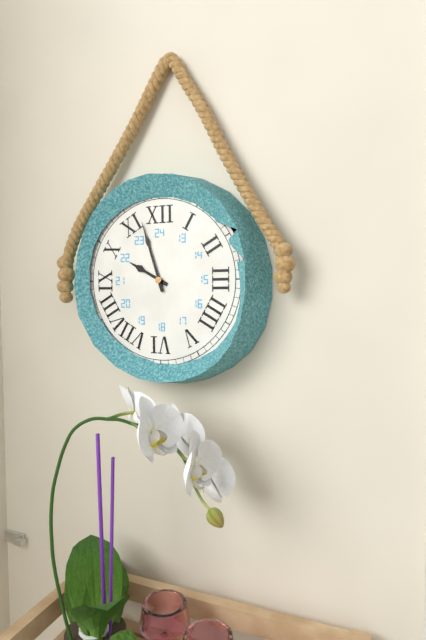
9:57
